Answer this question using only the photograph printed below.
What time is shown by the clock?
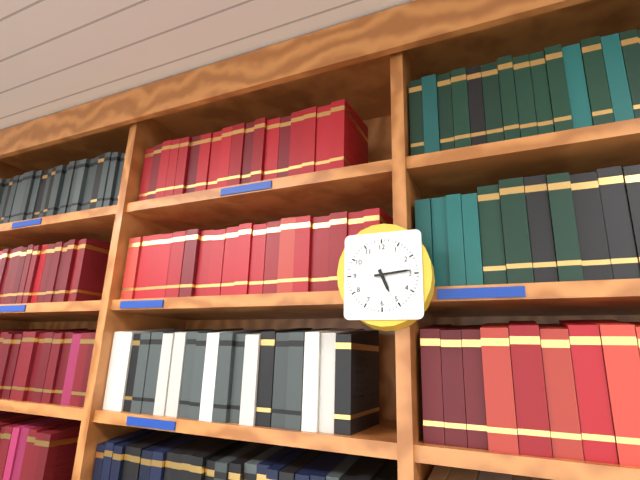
5:14
